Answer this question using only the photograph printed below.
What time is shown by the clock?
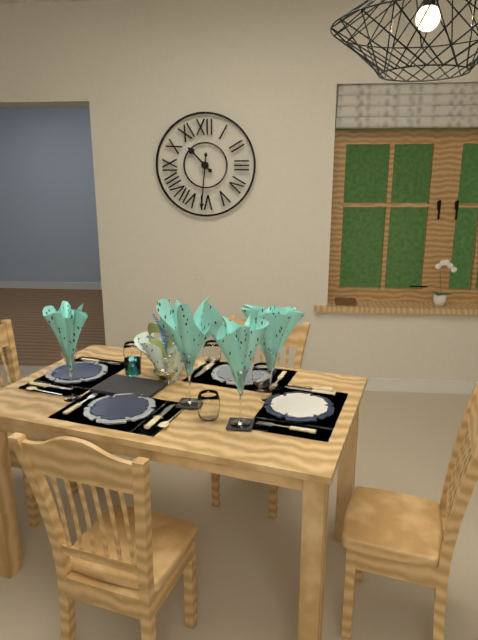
10:31
